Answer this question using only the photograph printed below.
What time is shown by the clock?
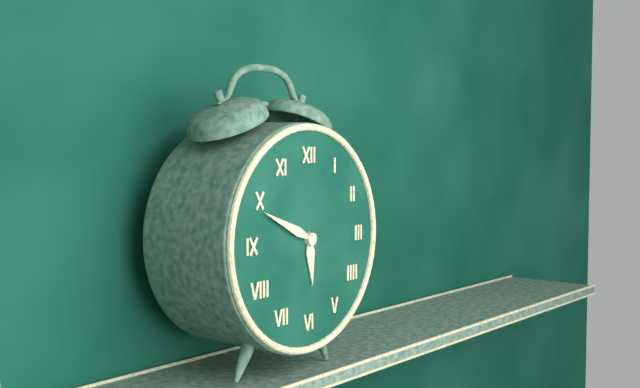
5:49
